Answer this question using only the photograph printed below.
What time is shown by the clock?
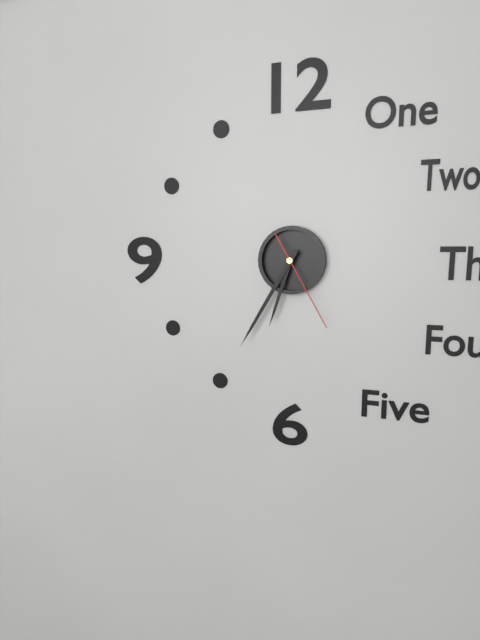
6:35:25
